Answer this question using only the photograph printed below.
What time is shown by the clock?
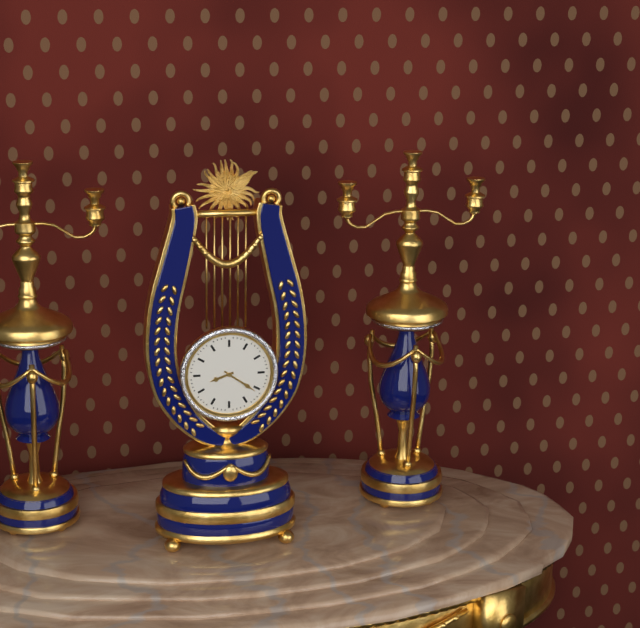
8:21
